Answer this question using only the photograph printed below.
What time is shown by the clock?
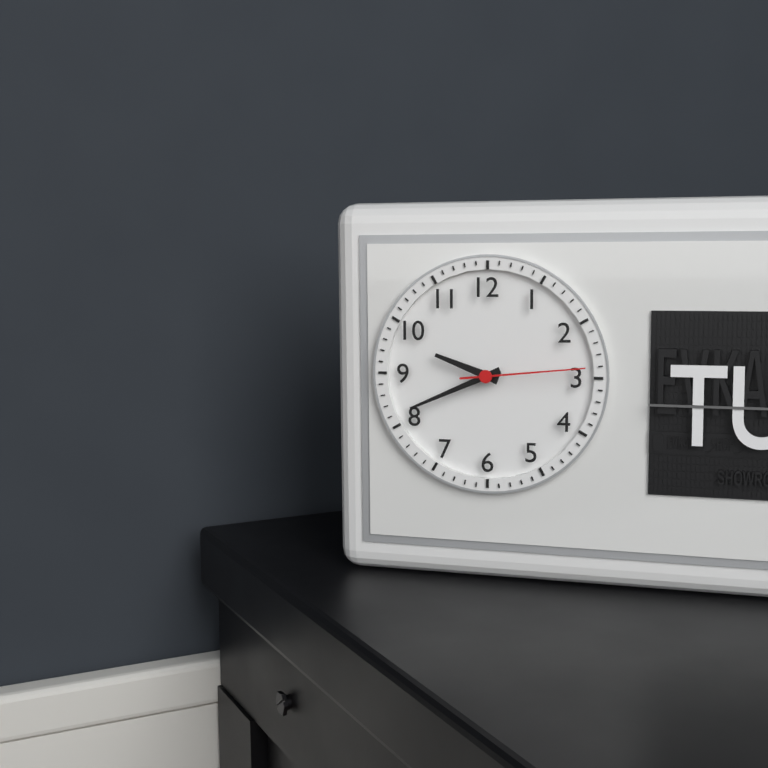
9:41:14
